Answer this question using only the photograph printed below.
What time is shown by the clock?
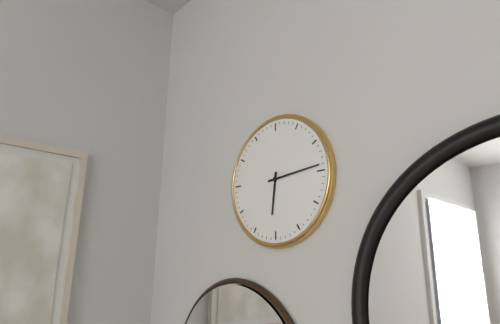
6:14
